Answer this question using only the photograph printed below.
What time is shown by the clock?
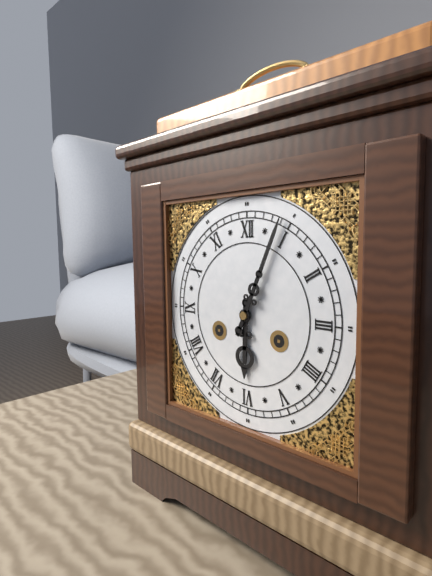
6:04
